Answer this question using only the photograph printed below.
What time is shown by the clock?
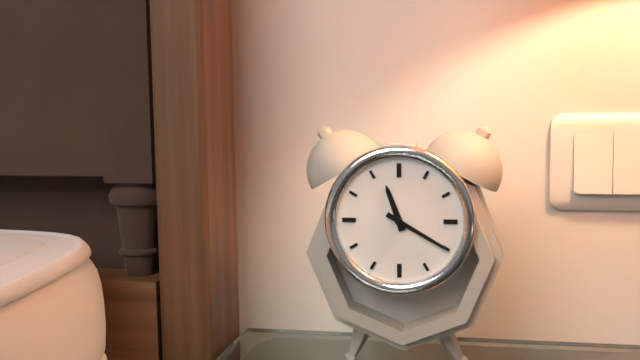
11:20
